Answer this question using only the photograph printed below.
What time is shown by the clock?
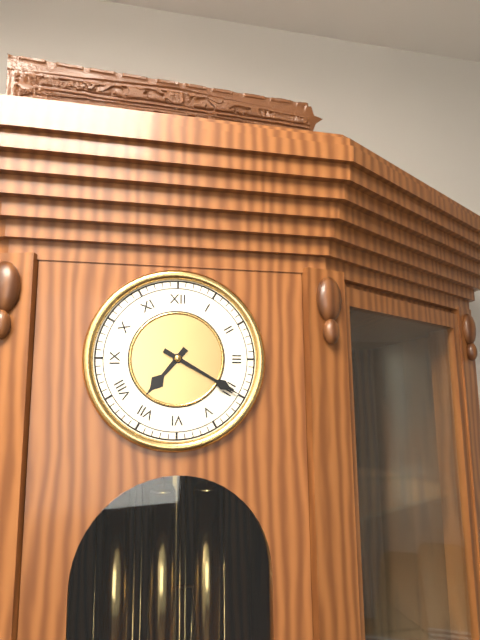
7:20
